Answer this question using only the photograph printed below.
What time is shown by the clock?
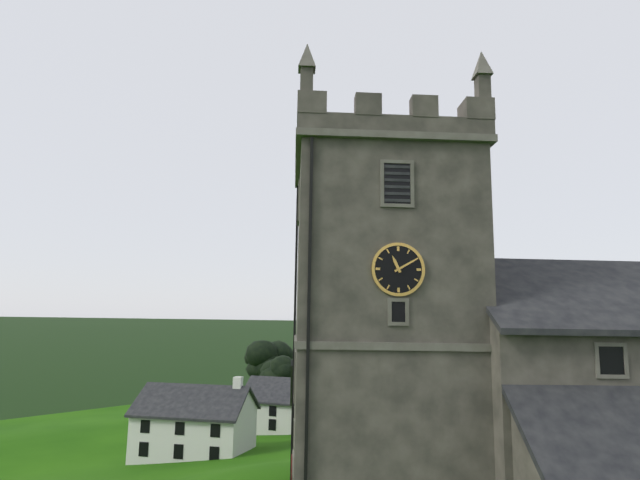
11:10
